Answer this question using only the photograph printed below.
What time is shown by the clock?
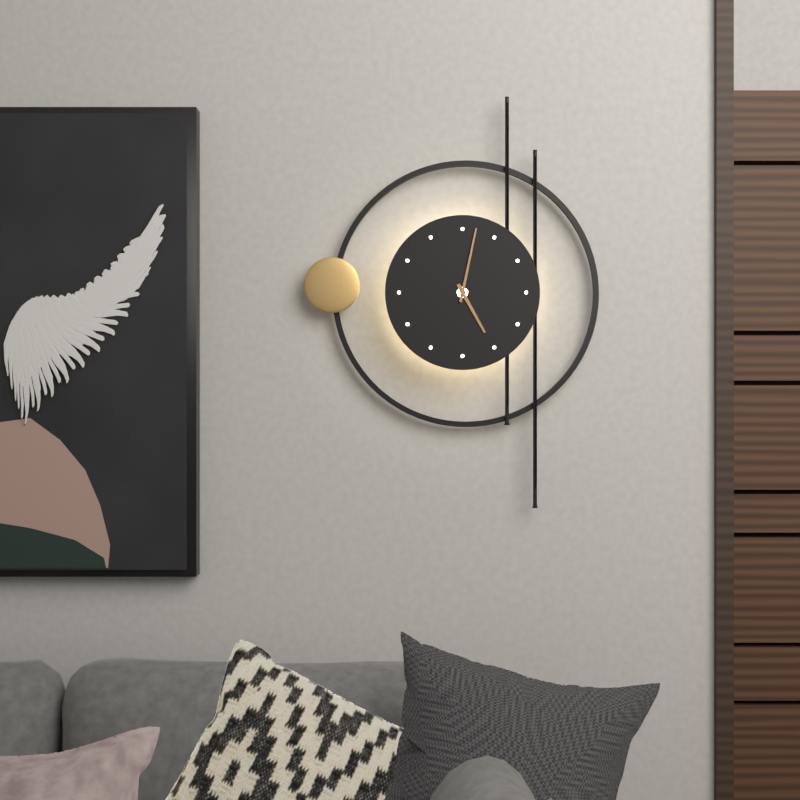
5:02
